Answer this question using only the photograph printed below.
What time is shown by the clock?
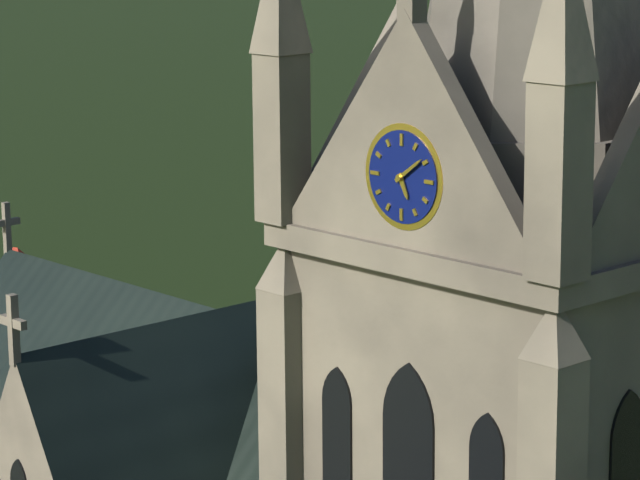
5:09
